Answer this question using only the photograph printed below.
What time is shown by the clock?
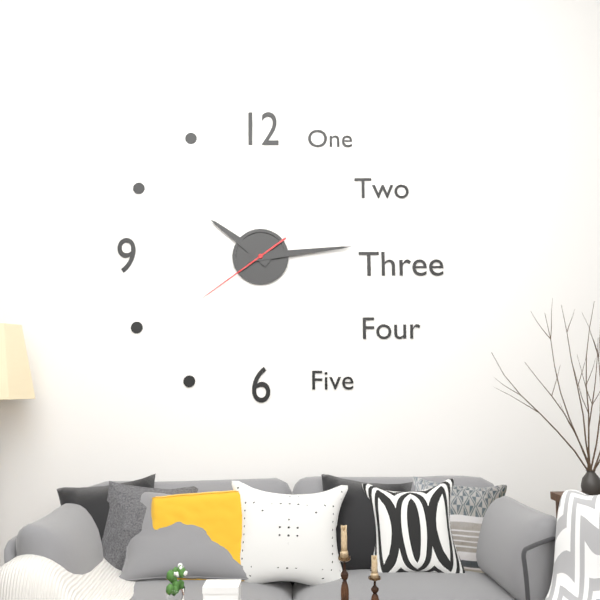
10:14:39
